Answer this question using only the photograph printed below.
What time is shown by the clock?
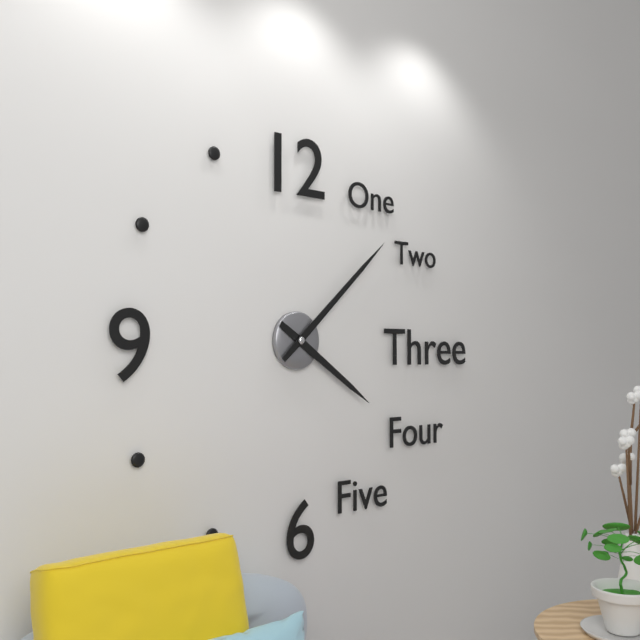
4:08
